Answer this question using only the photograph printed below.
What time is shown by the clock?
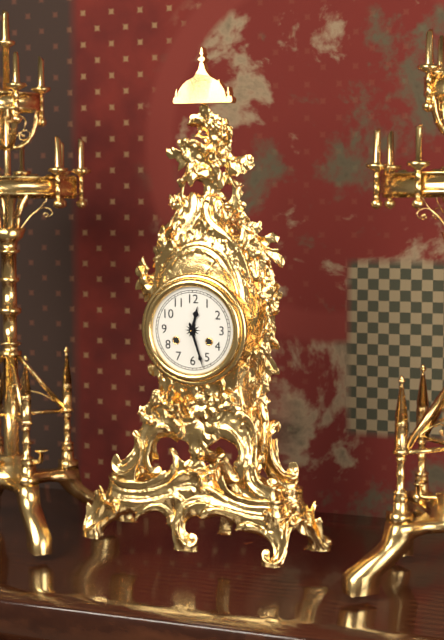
12:27
